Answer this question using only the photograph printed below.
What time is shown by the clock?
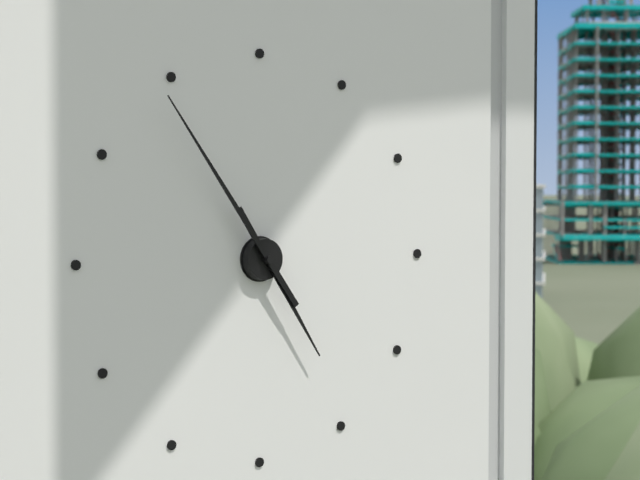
4:54
